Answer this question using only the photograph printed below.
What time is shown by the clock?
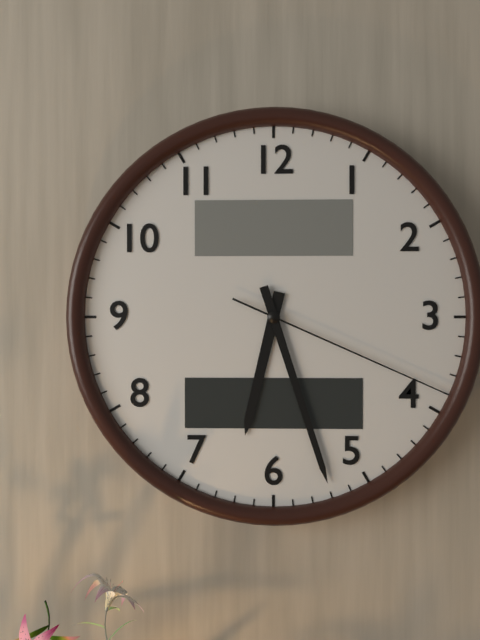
6:27:19
